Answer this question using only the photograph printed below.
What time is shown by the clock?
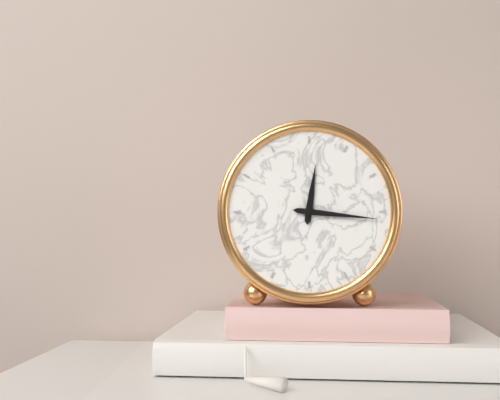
12:16
